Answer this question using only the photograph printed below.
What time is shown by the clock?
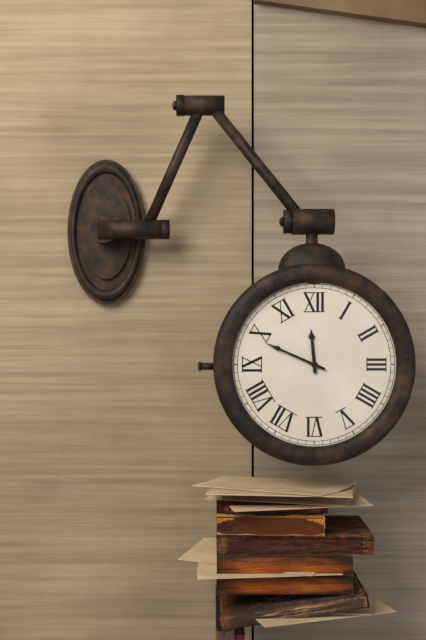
11:49
